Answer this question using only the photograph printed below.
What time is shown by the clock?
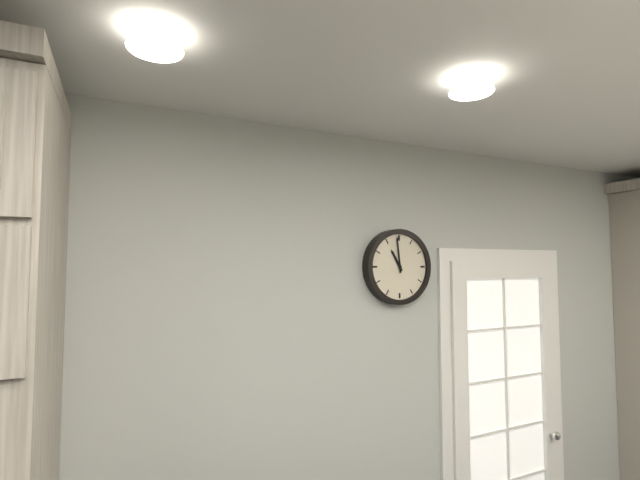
10:59
